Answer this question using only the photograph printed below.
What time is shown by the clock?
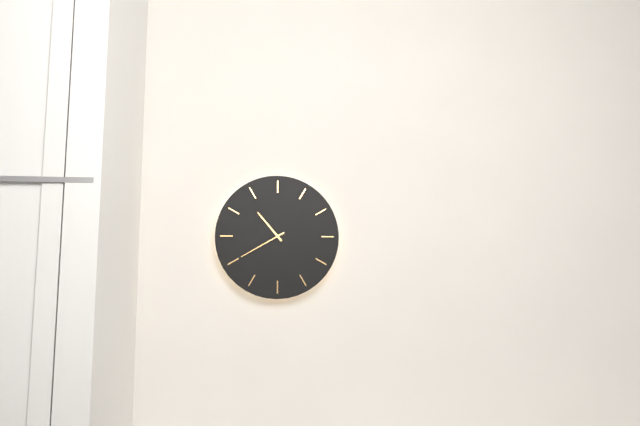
10:40
